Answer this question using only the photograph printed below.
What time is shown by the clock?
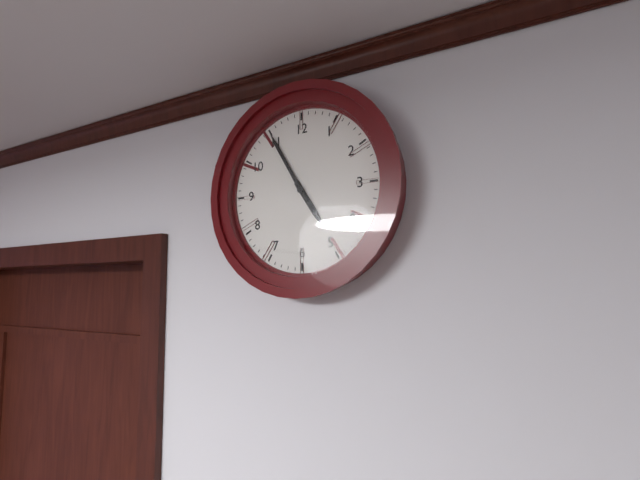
4:55
